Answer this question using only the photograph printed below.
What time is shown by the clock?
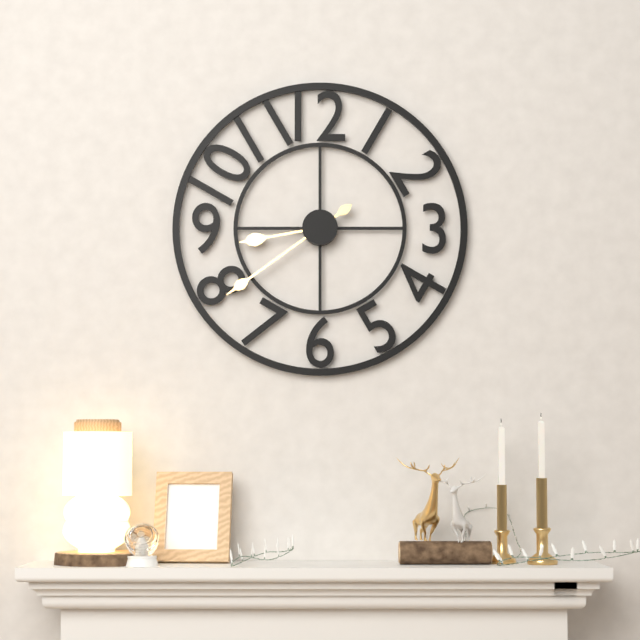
8:39
